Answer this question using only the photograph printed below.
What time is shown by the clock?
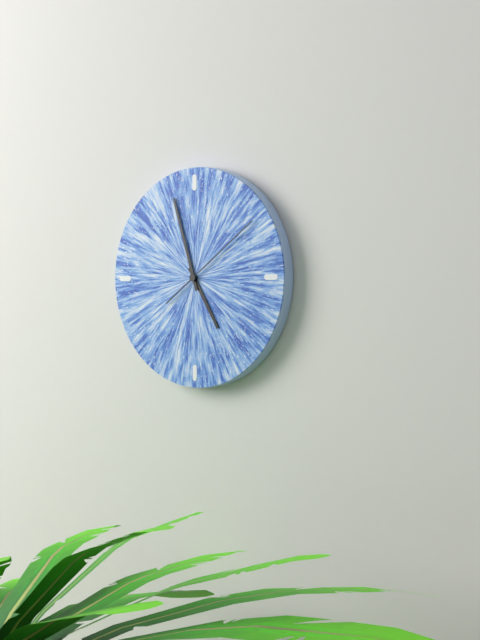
4:57:09
